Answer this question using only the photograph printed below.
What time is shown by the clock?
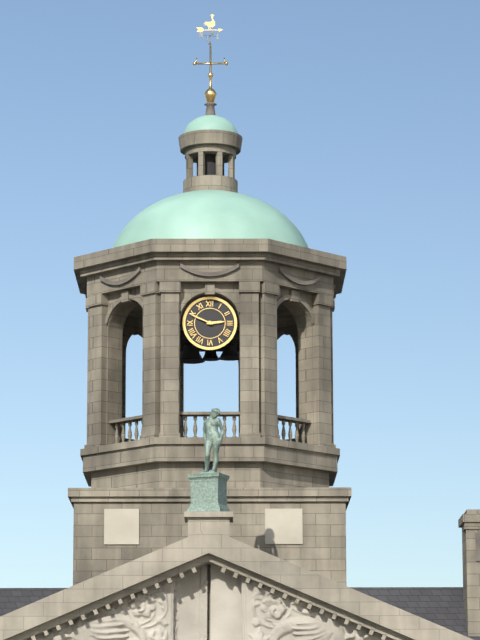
2:49
